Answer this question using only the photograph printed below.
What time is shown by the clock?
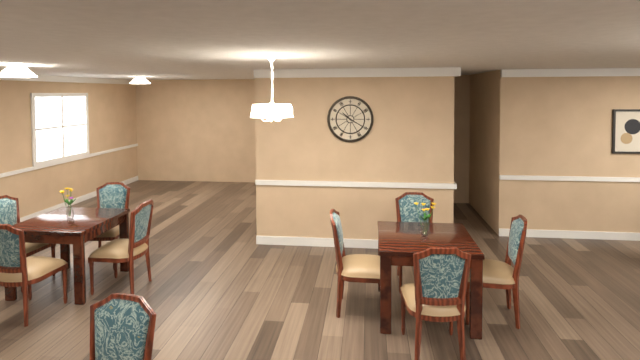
10:20
